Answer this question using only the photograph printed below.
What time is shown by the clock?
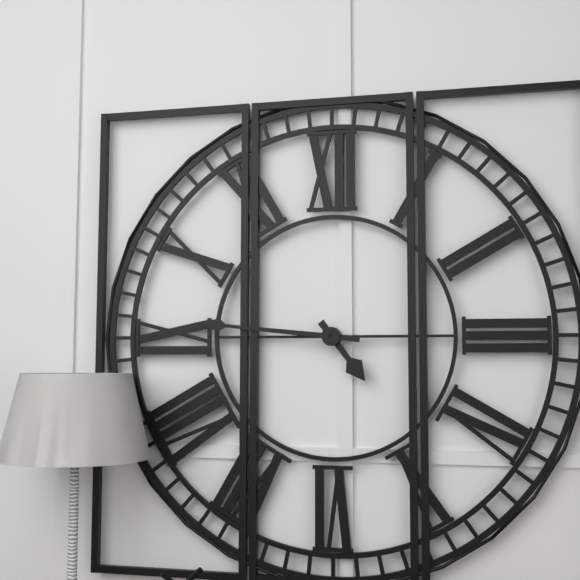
4:46
